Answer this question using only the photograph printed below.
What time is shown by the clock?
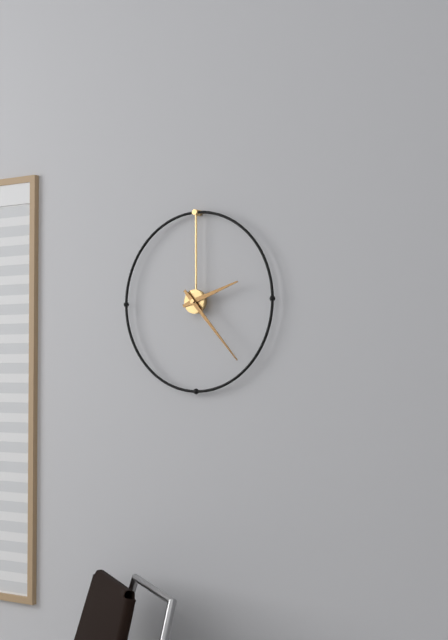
2:23
